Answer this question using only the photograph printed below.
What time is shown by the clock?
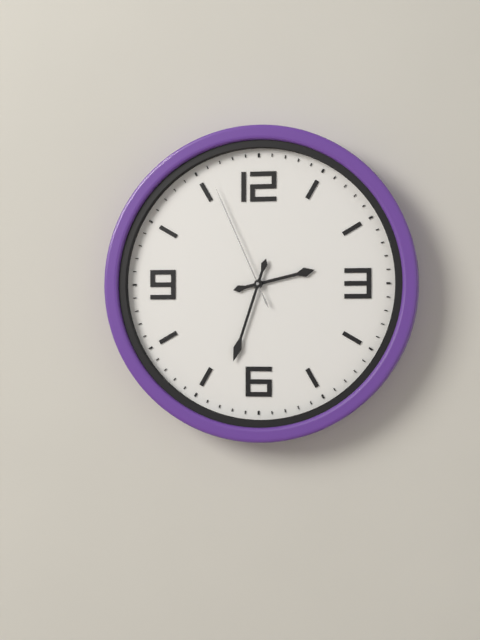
2:33:56
